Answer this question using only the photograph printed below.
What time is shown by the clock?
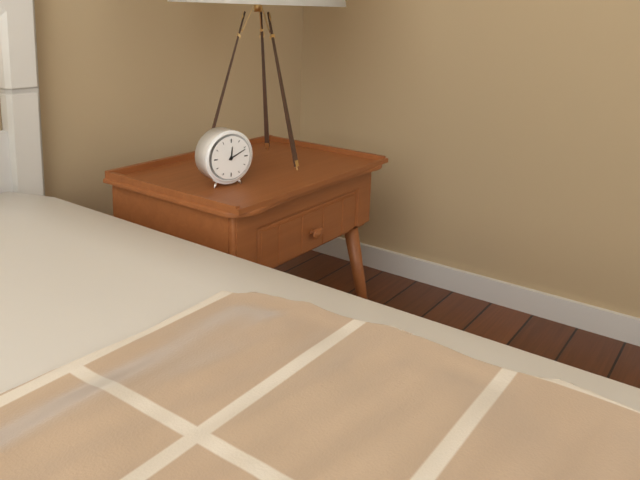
12:11
